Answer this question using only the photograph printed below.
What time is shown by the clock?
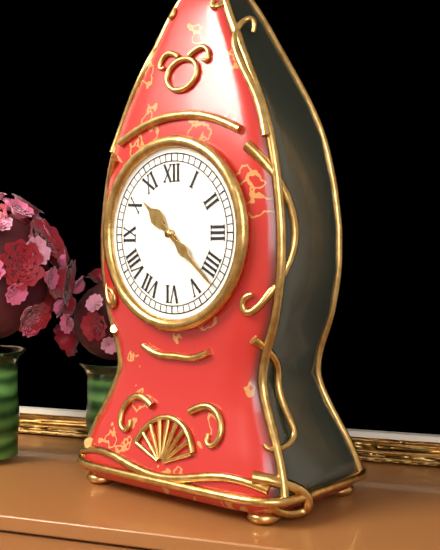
10:22
